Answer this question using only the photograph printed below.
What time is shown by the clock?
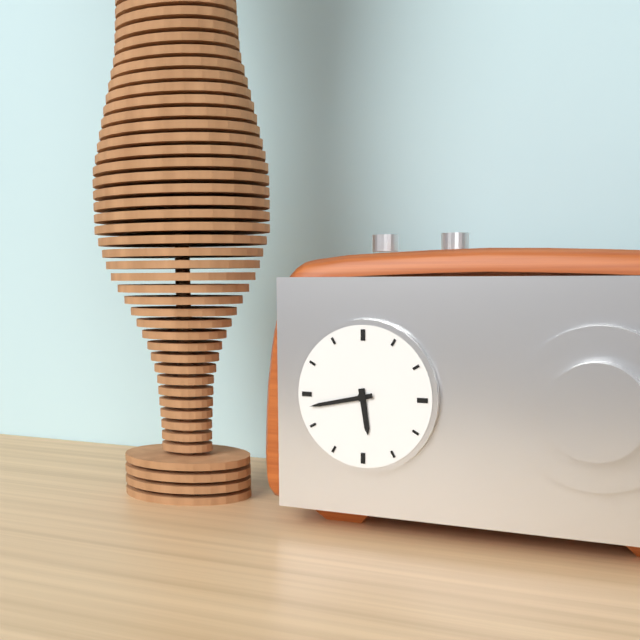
5:43
